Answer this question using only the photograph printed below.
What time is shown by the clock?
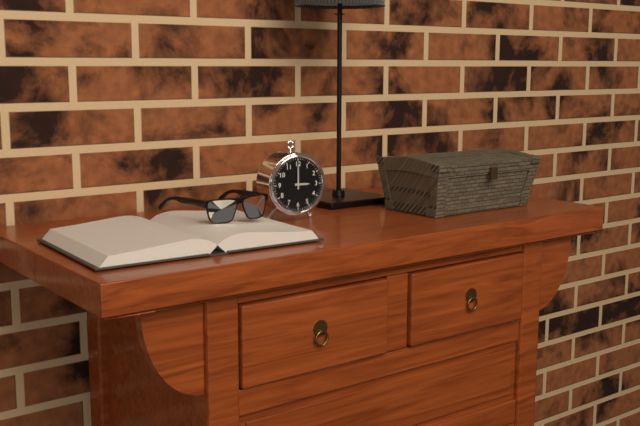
3:00
